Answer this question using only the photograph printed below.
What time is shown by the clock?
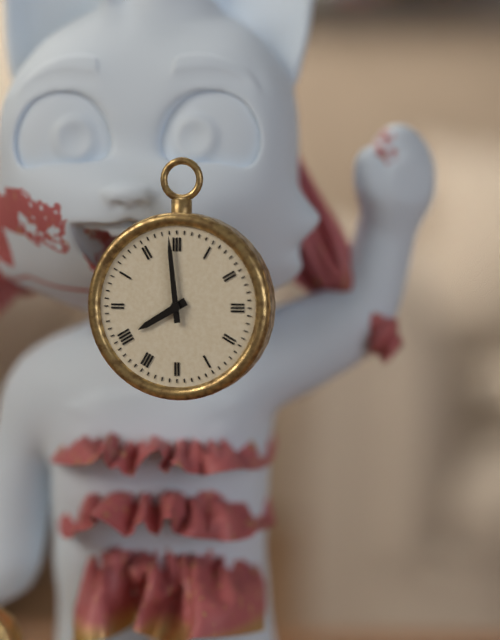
7:59
